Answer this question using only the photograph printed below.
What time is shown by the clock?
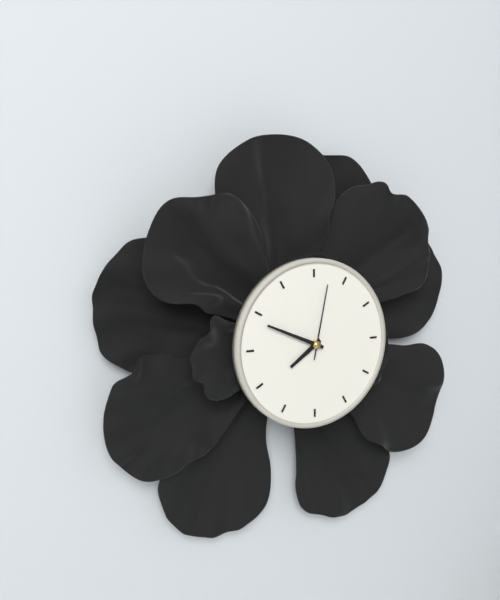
7:49:02
